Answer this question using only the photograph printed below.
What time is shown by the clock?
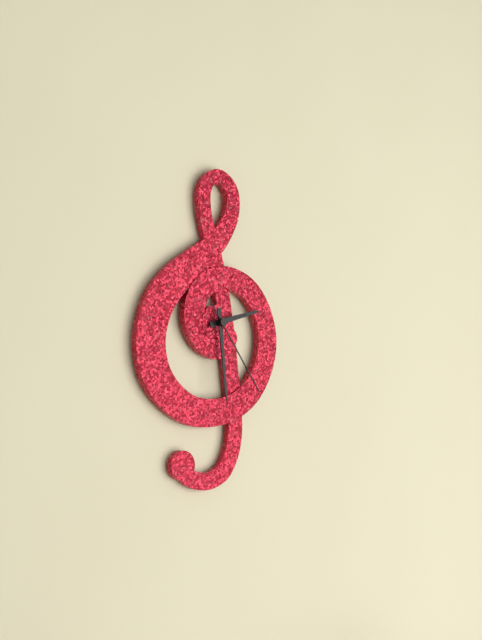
2:29:24
